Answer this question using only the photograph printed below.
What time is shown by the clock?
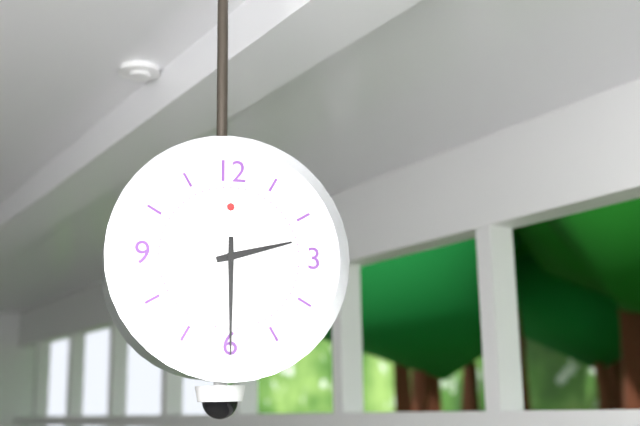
2:30
